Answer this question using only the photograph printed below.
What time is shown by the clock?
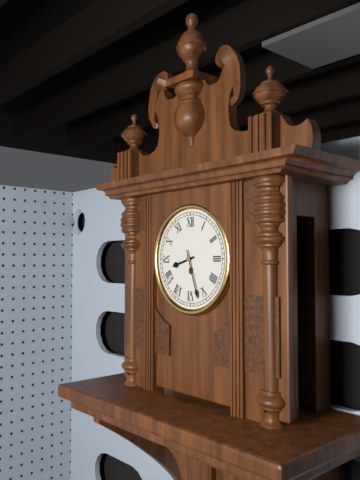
8:27
